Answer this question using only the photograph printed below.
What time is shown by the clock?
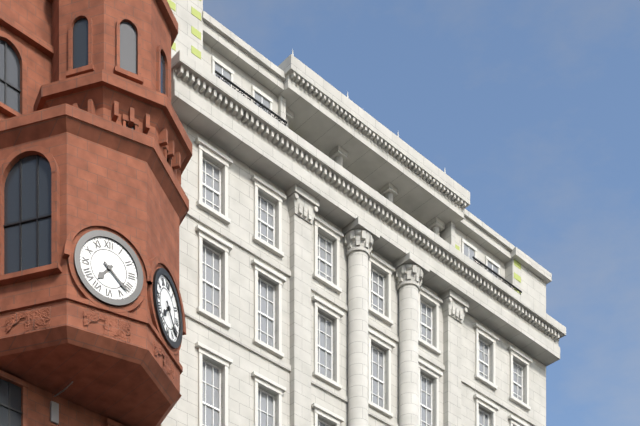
7:22
